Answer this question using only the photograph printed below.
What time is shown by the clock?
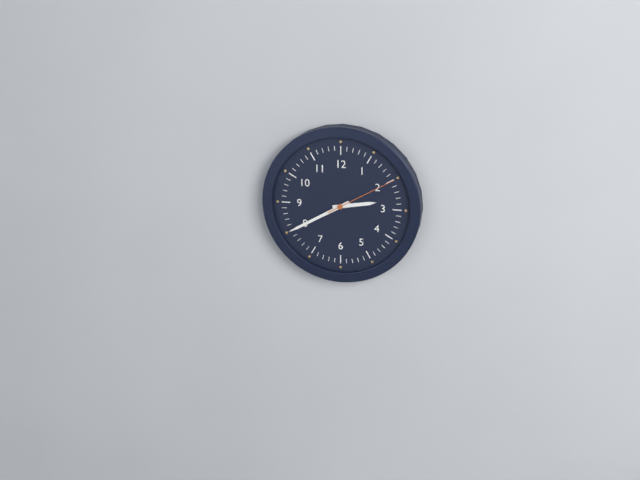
2:40:10
